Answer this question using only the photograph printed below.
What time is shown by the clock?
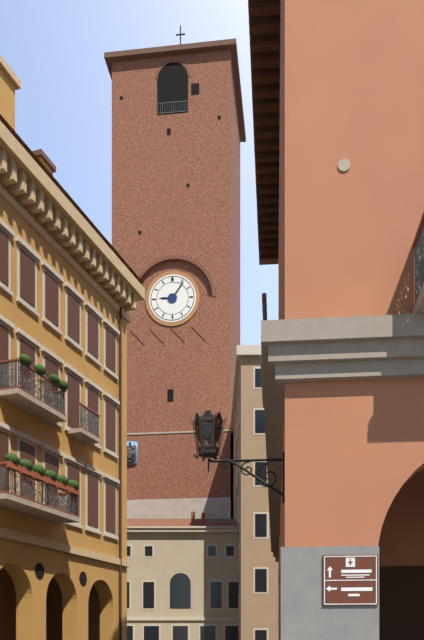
9:06
